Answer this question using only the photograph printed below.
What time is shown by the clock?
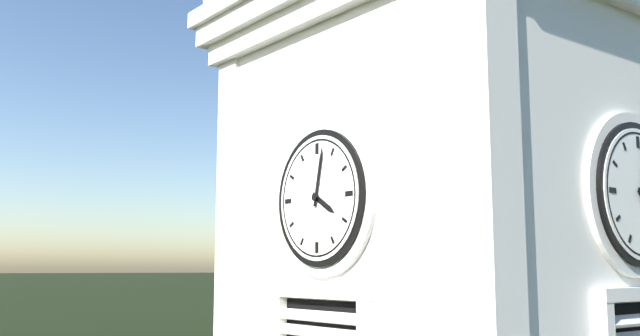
4:02
